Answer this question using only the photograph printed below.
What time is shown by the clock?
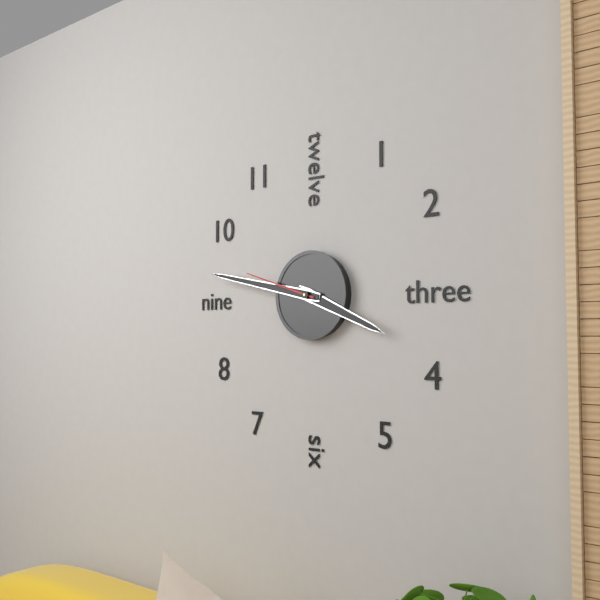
3:47:48
